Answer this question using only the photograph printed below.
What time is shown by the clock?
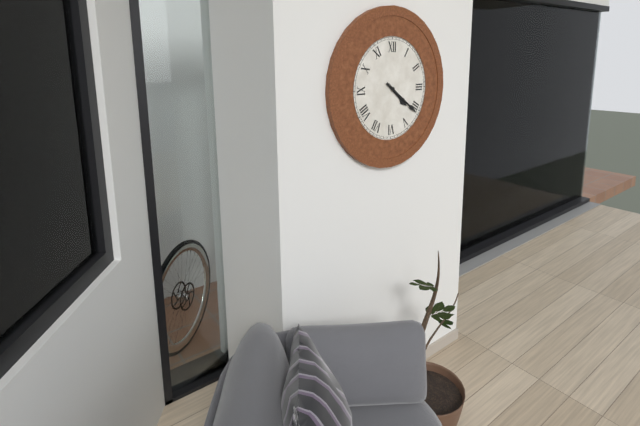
4:21
